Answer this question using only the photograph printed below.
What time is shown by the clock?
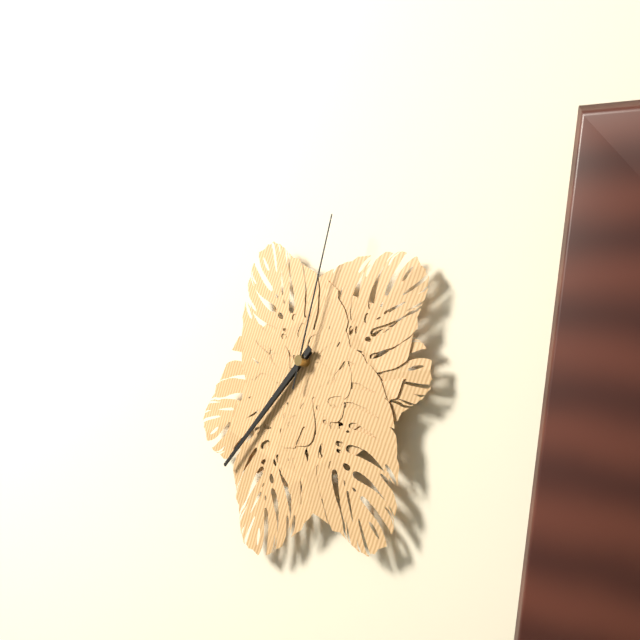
7:38:03
